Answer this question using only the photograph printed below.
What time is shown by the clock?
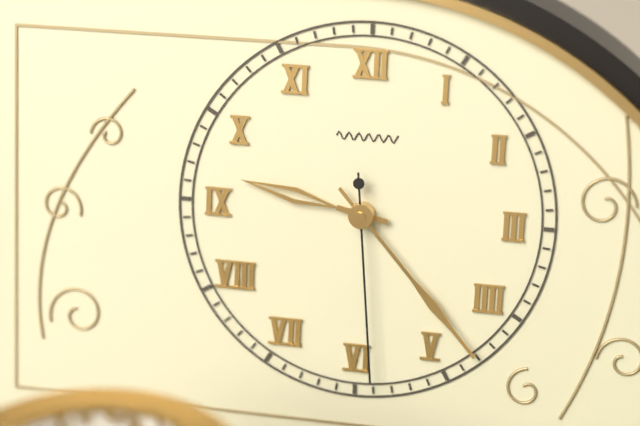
9:23:29
